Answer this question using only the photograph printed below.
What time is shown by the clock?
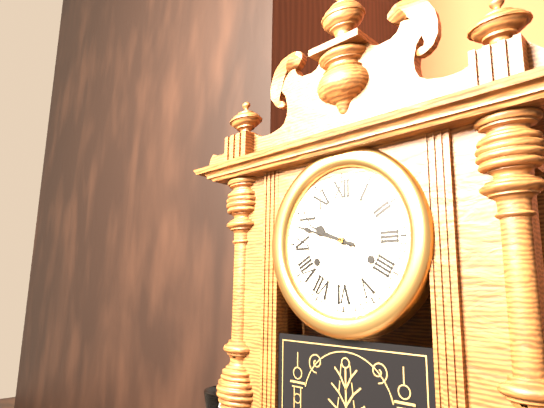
9:48
